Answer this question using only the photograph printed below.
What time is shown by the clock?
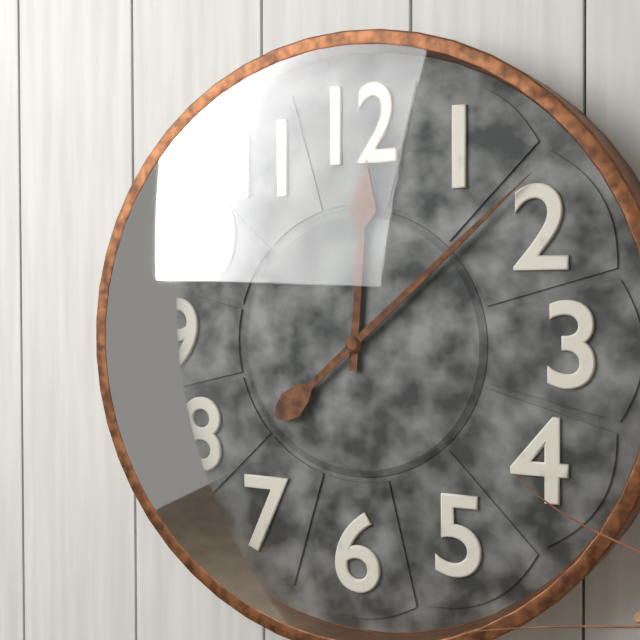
12:08
